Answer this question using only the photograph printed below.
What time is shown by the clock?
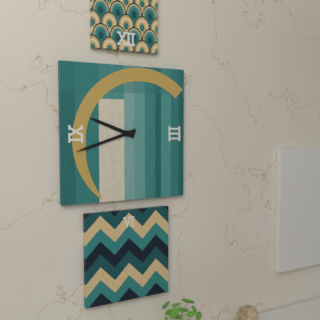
9:42
